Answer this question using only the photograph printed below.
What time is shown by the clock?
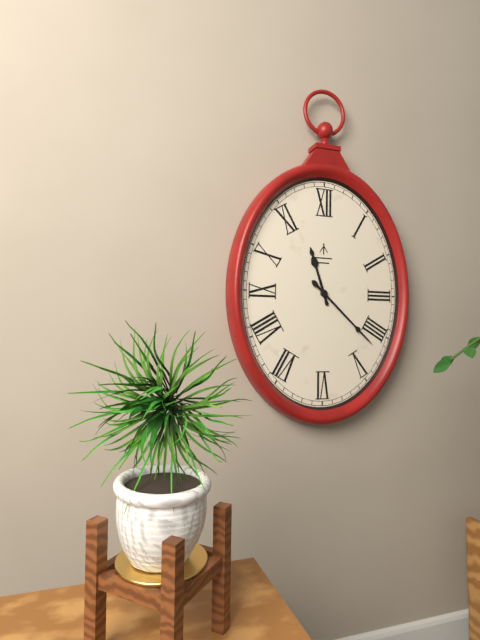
11:22
